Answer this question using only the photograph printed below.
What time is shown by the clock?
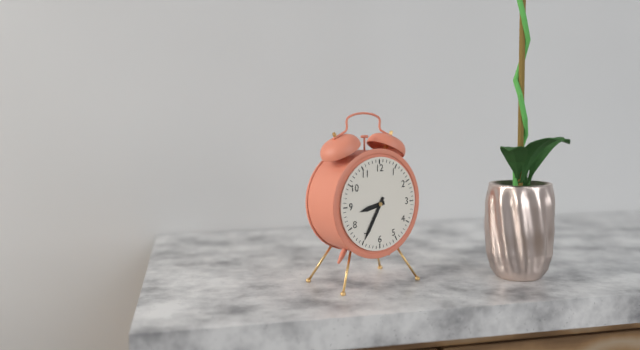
8:35
